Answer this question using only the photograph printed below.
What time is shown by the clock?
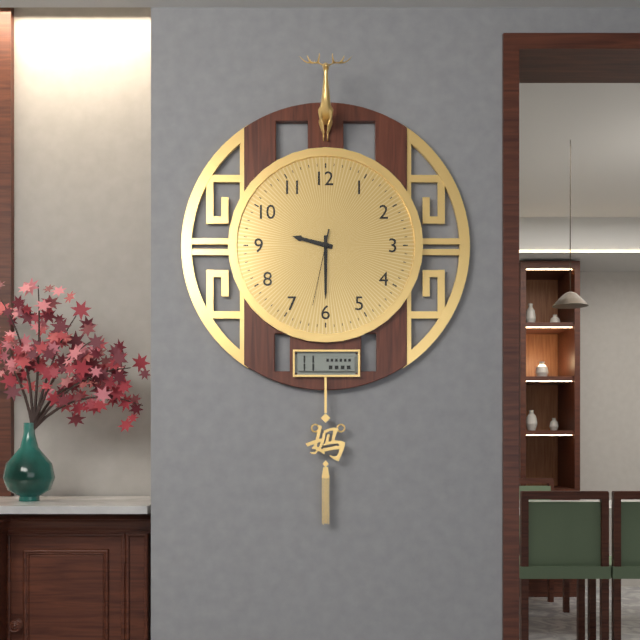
9:30:32
